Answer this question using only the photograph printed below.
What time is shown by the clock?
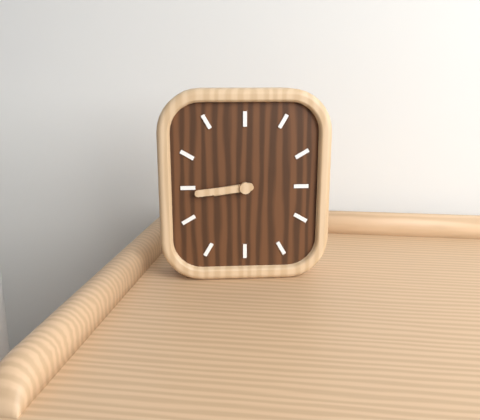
8:44
